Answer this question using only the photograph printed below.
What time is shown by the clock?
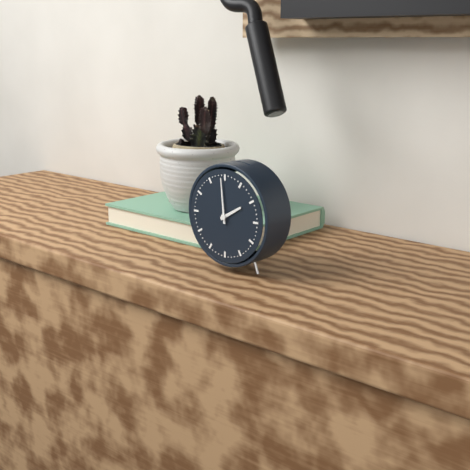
1:59
